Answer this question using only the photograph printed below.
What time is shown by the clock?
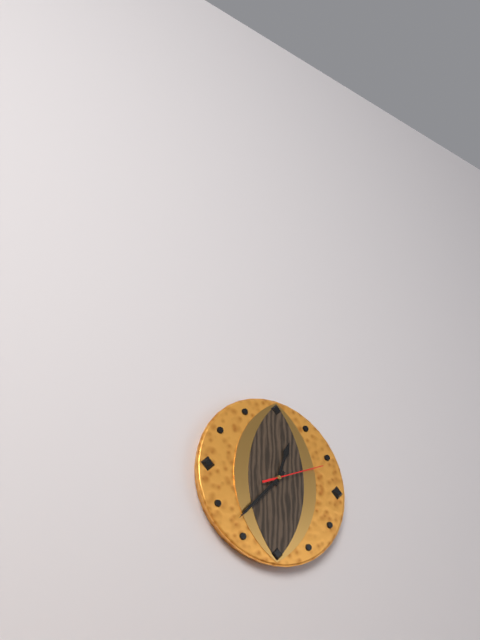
12:37:11
